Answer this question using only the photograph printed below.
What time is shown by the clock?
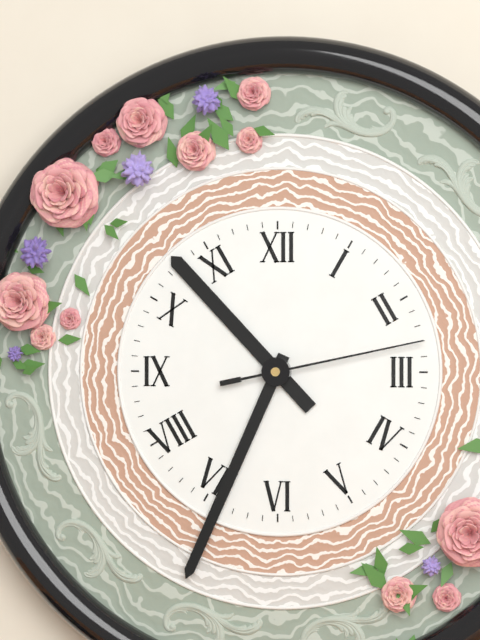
10:34:13
